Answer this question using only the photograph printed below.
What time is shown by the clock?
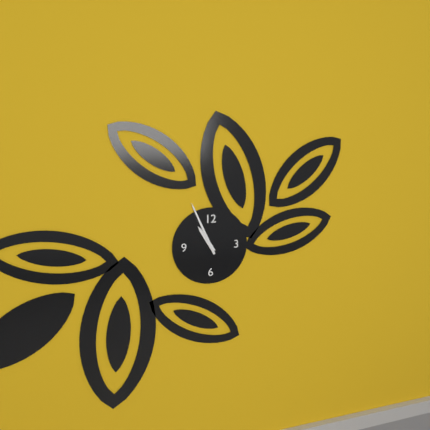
10:56
